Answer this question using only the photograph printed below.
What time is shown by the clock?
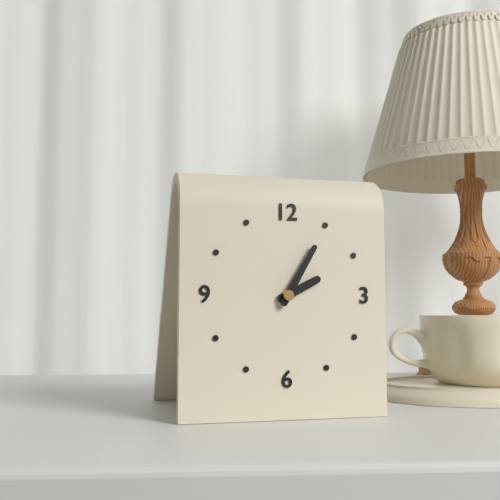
2:05
